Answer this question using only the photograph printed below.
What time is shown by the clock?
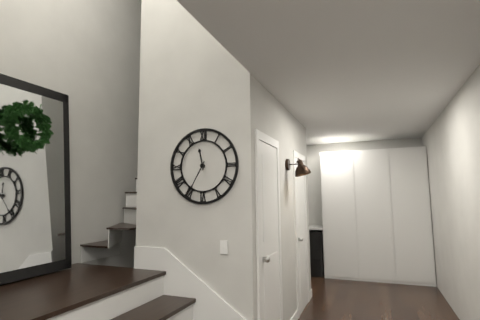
11:35
